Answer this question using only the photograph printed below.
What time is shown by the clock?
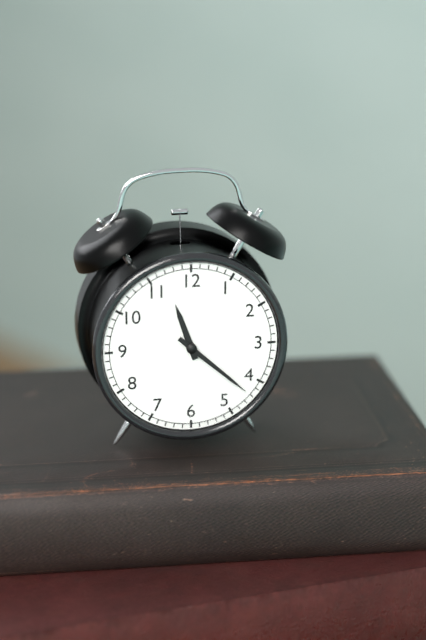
11:22
